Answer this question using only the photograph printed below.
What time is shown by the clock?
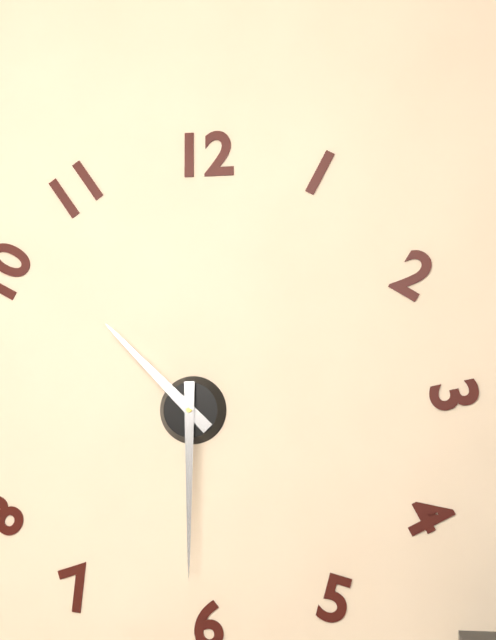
10:30
